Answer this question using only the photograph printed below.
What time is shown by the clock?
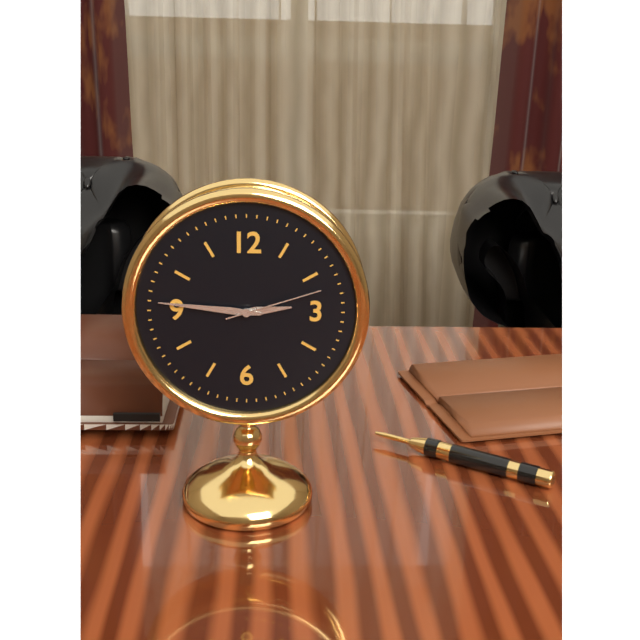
2:46:12
